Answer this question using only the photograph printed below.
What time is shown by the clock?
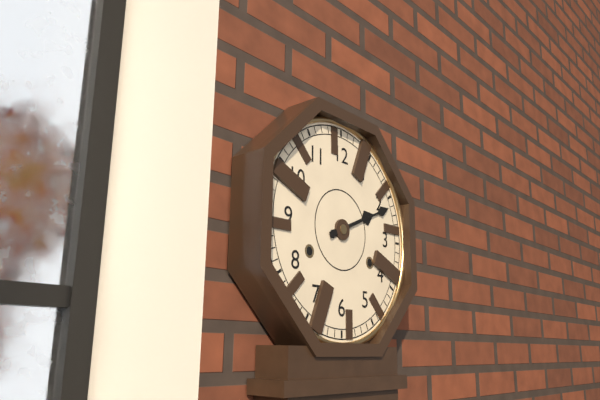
2:11
